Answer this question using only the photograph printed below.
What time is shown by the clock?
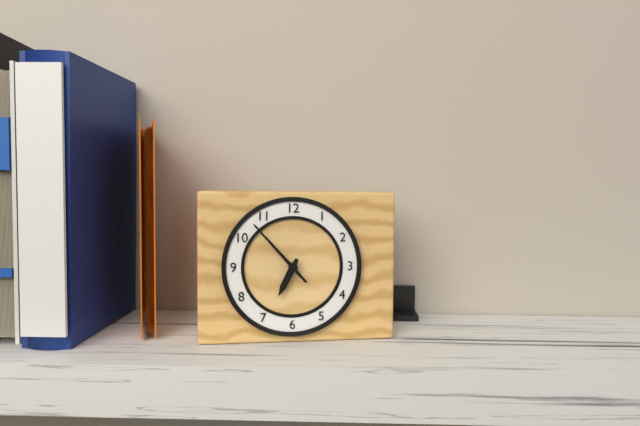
6:53
